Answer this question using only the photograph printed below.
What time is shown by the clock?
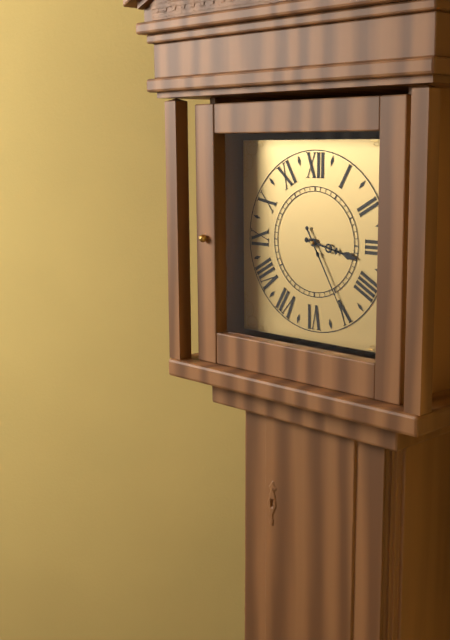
3:25
